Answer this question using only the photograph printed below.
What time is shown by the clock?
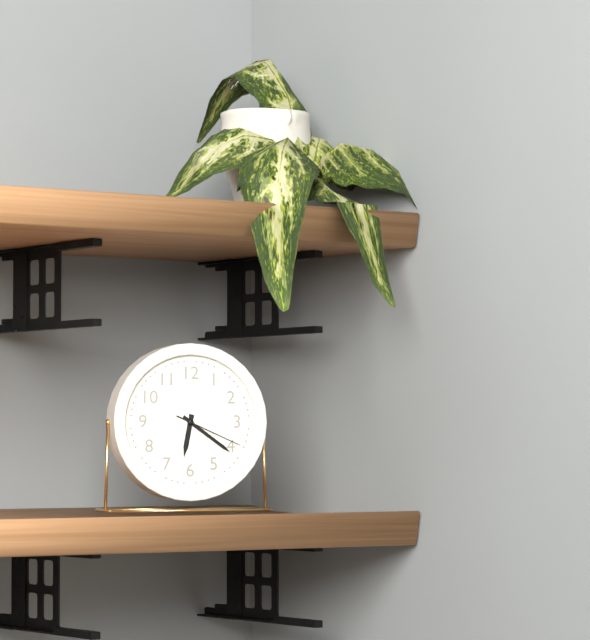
6:21:19
